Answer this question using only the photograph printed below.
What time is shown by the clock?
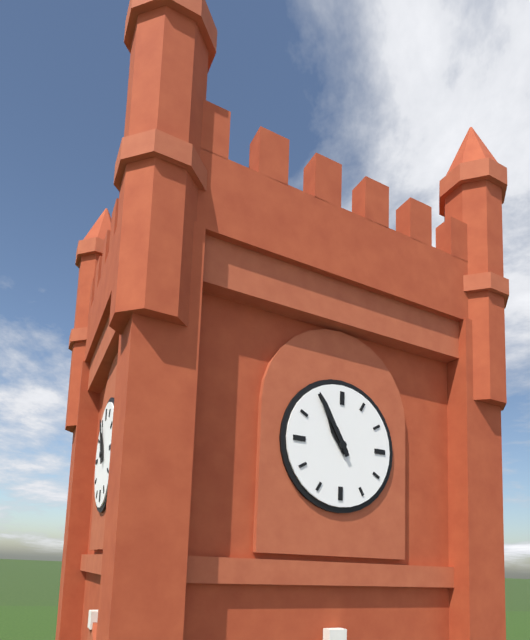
10:55
